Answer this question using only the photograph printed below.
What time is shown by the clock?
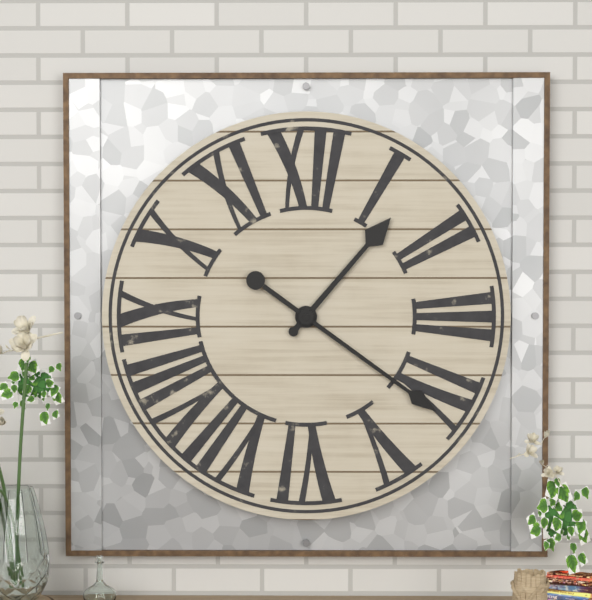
1:21
